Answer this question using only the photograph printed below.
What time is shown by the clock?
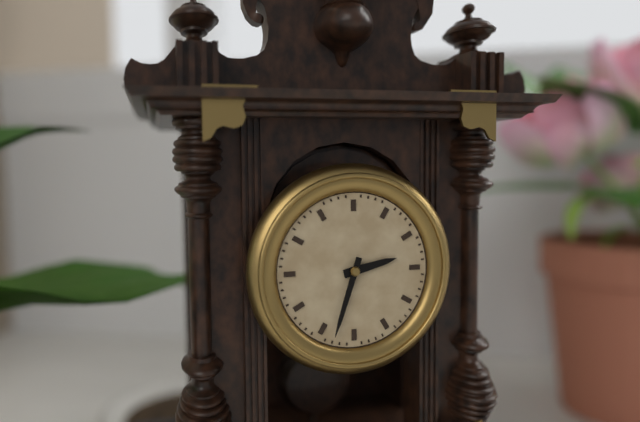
2:33
